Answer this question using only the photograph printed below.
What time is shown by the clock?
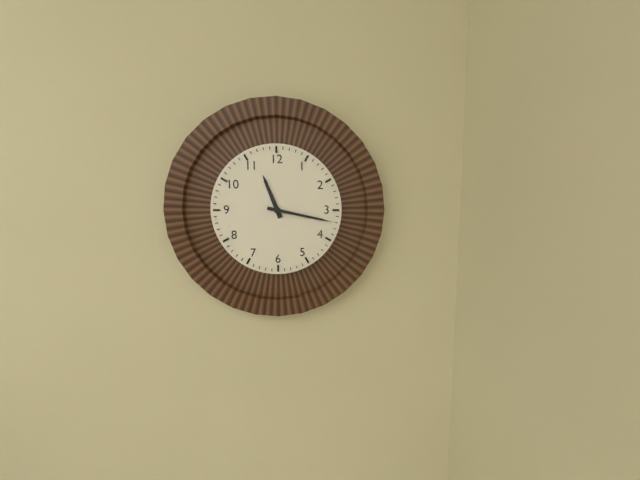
11:17
